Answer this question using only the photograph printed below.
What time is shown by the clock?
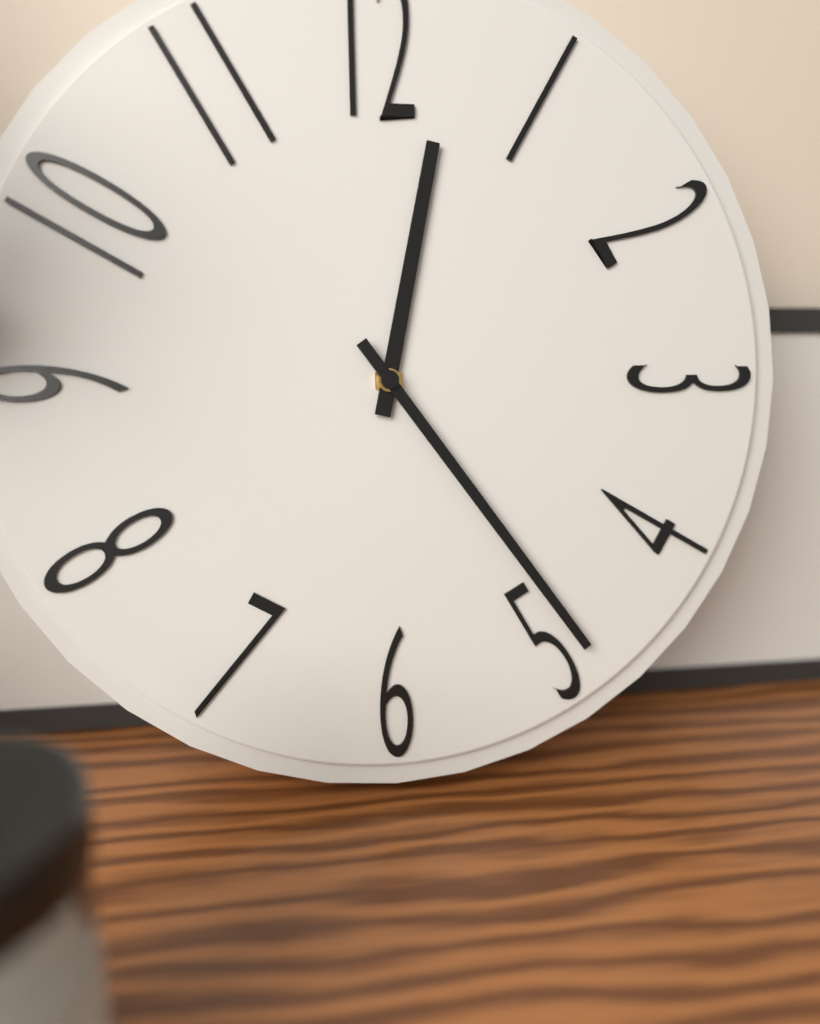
12:24
